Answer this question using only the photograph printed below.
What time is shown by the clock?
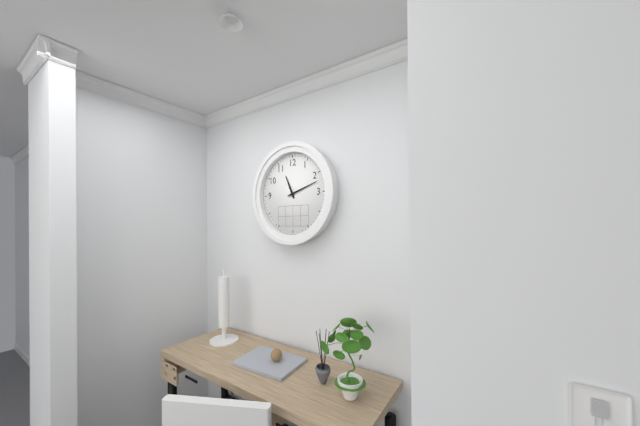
11:12
